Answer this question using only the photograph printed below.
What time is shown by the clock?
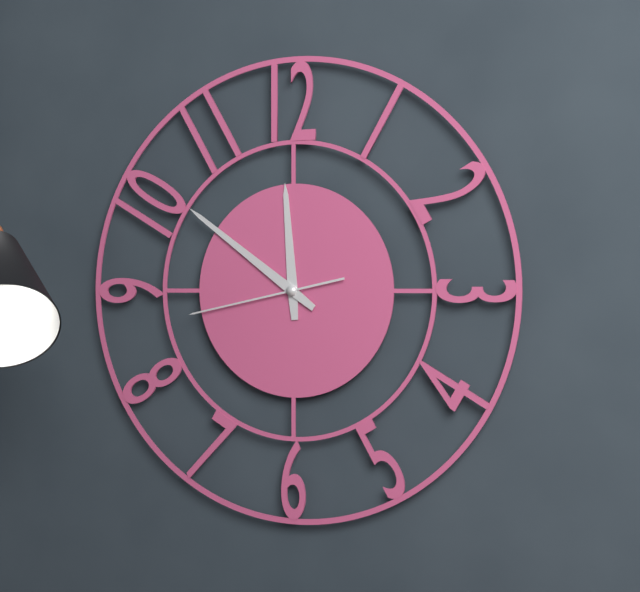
11:51:43
